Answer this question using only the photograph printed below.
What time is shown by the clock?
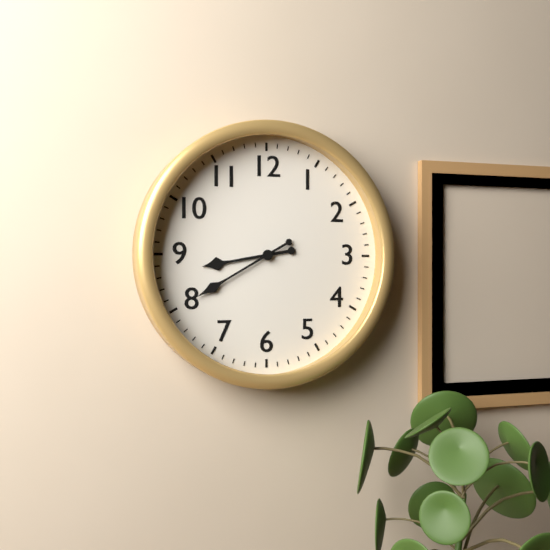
8:40
